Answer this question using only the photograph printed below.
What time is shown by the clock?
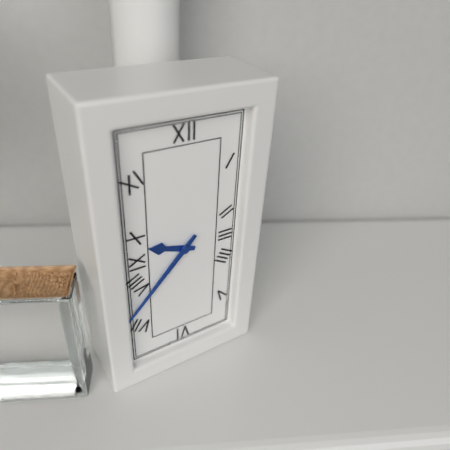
9:37
